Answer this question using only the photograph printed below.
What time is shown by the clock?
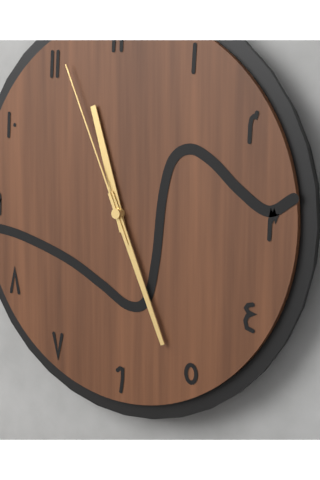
11:26:56
